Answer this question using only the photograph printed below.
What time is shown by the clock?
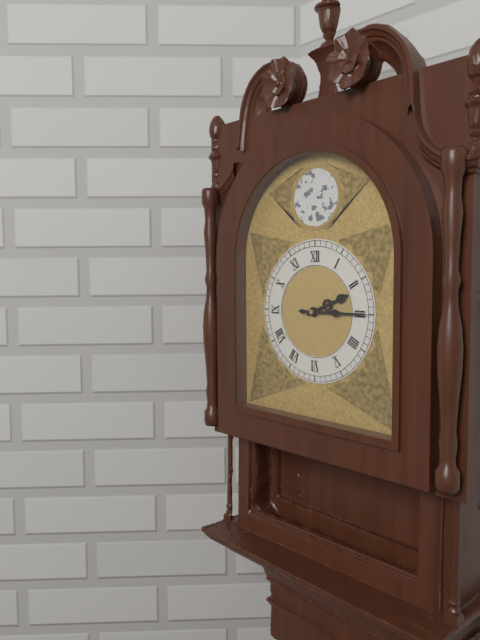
2:15
